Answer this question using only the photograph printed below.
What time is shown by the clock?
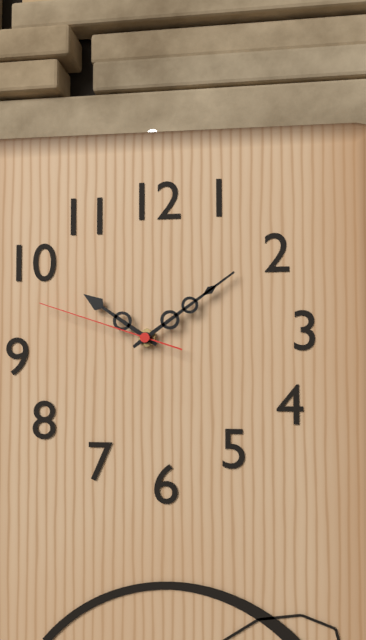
10:09:48
